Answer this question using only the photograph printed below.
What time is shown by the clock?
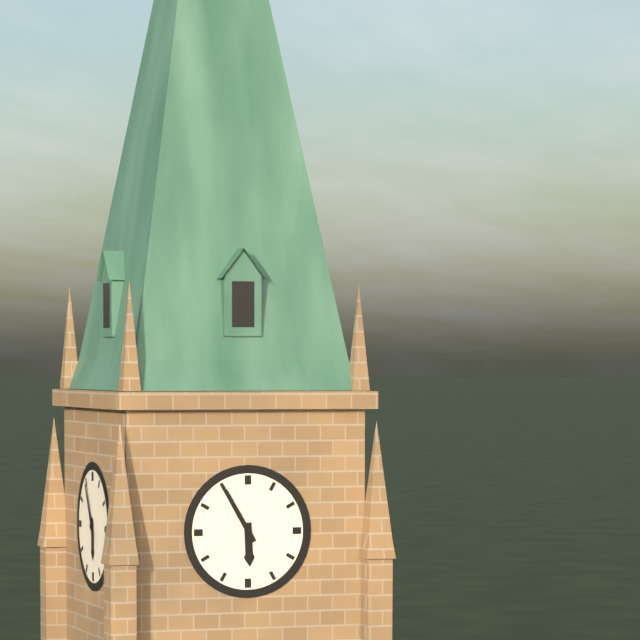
5:55
